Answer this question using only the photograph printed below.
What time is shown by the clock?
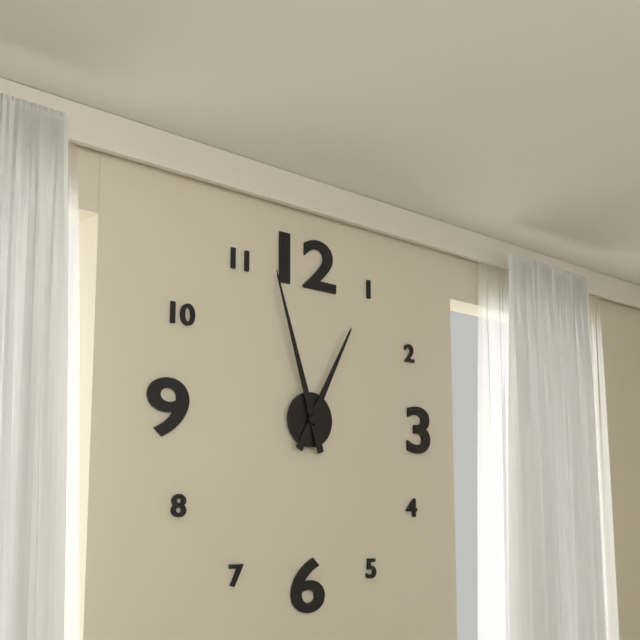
12:57
